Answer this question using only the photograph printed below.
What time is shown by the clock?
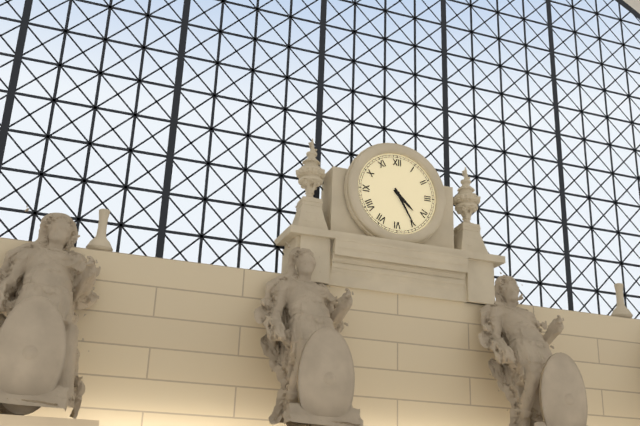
4:25
